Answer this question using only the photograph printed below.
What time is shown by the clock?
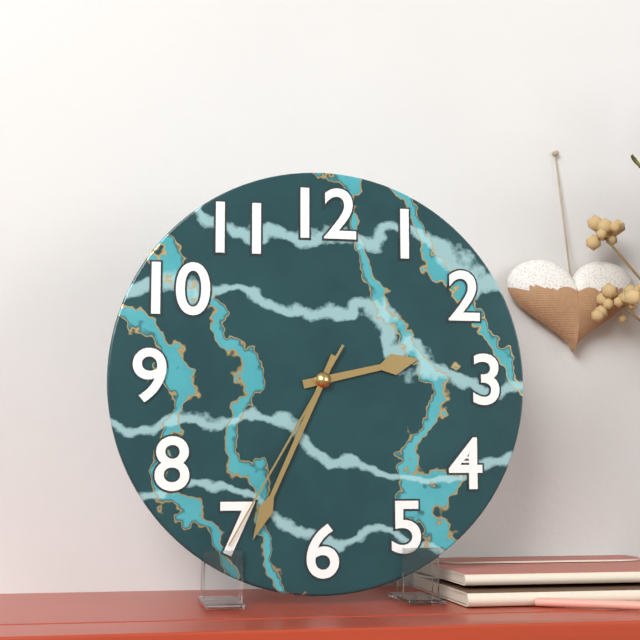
2:34:35
